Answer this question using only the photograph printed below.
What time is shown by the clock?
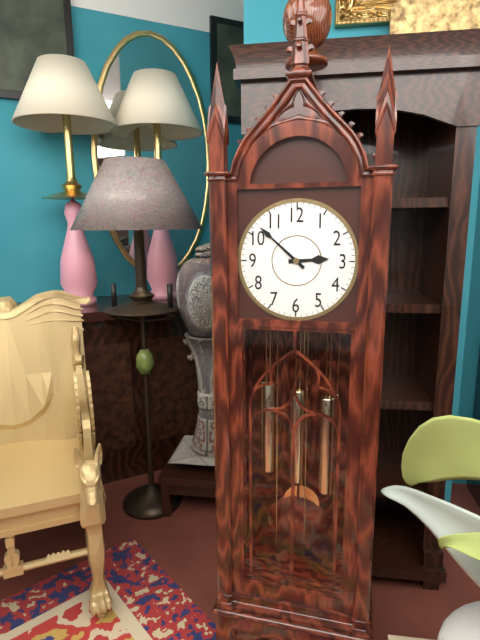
2:52
